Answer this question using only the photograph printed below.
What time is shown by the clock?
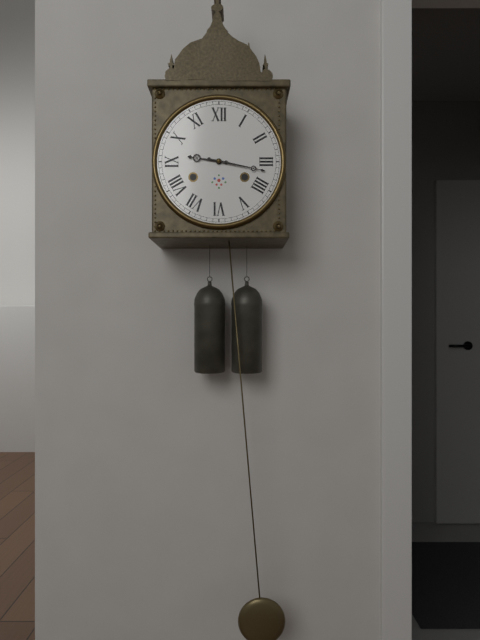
9:17
